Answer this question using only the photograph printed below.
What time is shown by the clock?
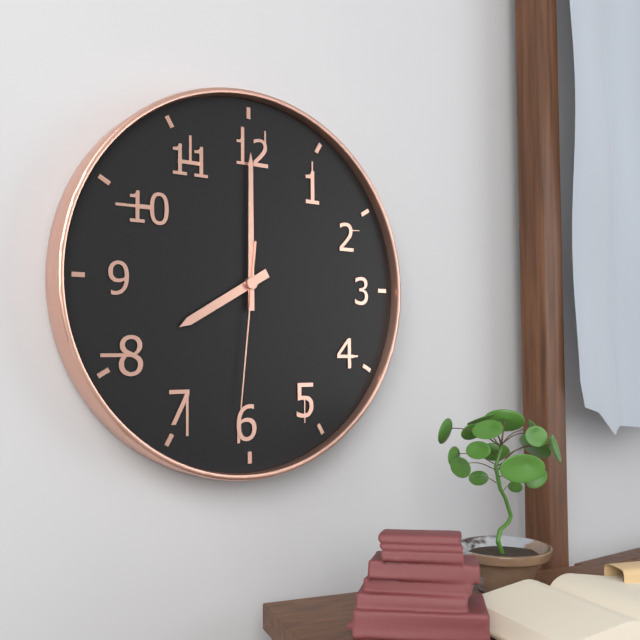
8:00:31
